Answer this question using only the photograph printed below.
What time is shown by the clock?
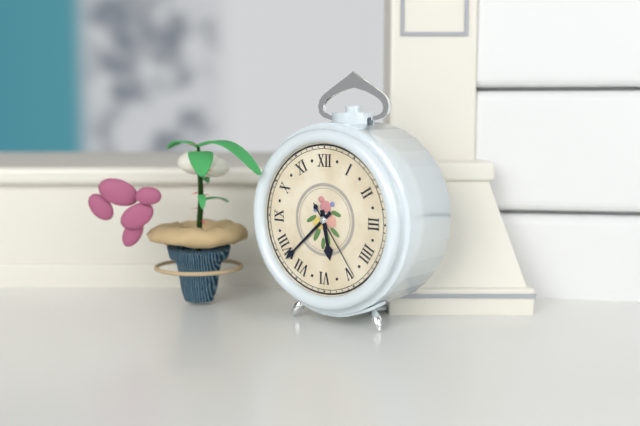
5:38:24
